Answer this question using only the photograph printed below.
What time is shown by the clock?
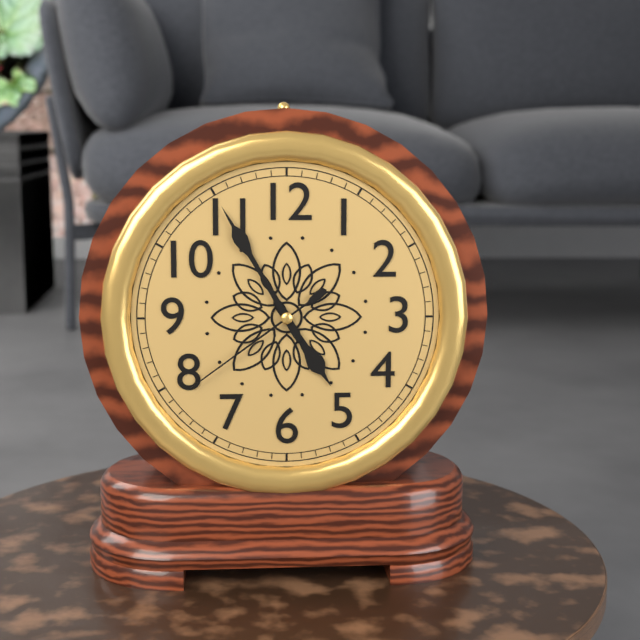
4:55:39
